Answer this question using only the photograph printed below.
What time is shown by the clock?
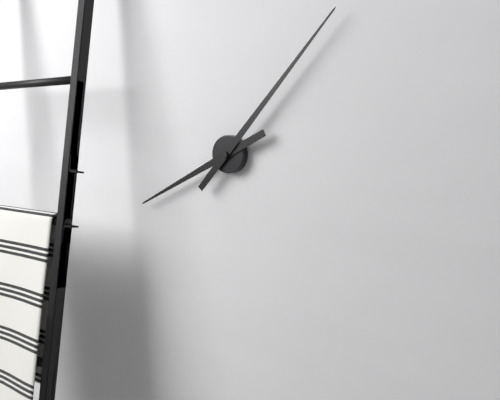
8:07
